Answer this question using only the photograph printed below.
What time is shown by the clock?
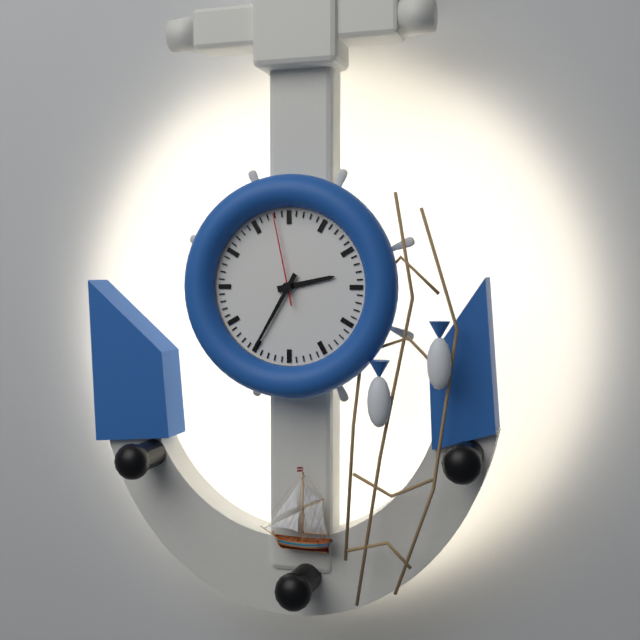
2:35:58
